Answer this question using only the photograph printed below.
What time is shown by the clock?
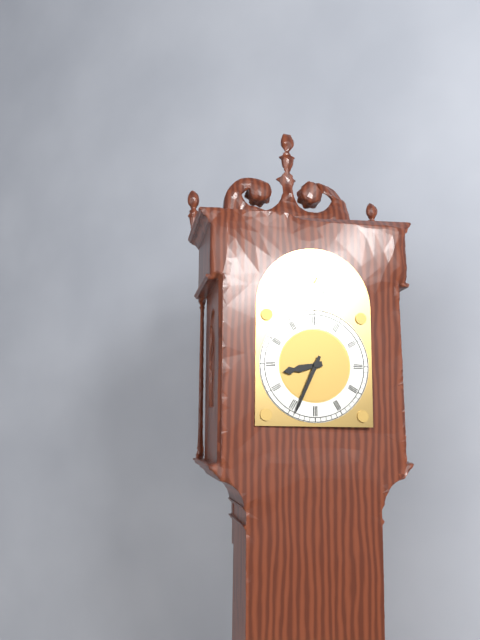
8:34
